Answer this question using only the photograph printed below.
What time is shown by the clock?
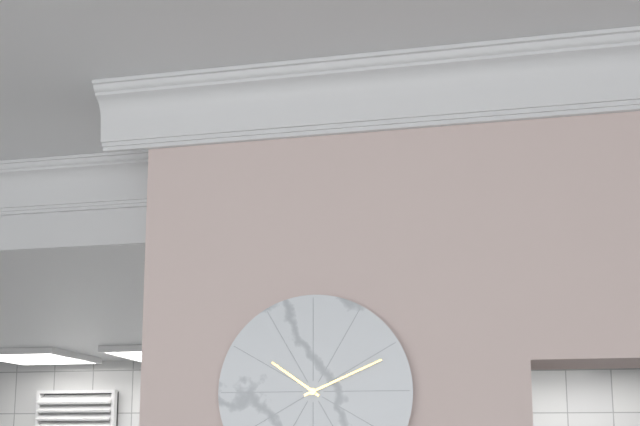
10:11
